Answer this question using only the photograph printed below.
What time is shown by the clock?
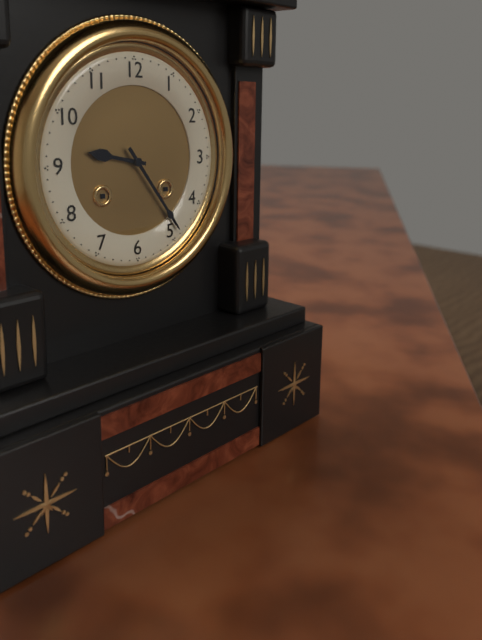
9:24
